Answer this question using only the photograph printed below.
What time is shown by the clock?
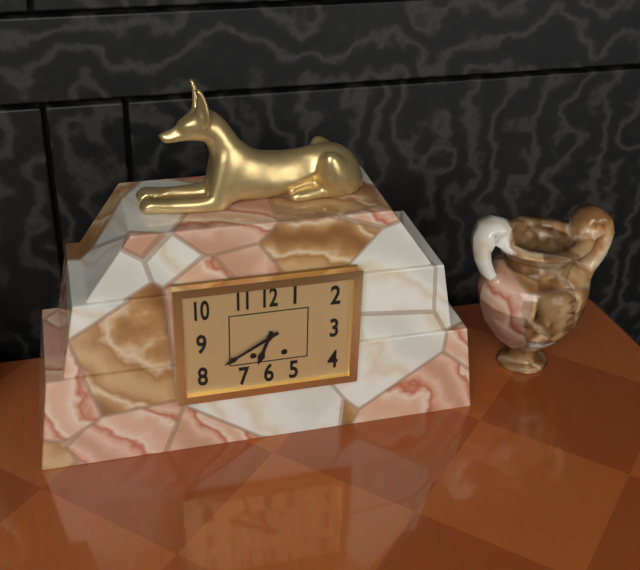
6:40
